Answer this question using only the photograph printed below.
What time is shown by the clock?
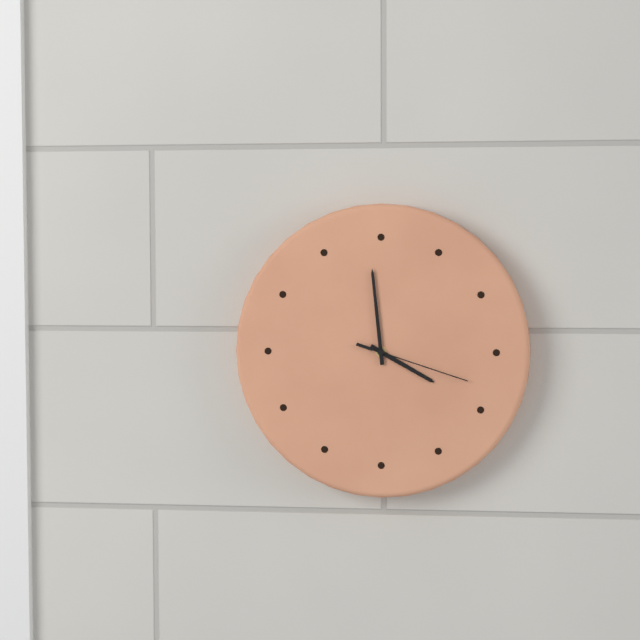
3:59:18
